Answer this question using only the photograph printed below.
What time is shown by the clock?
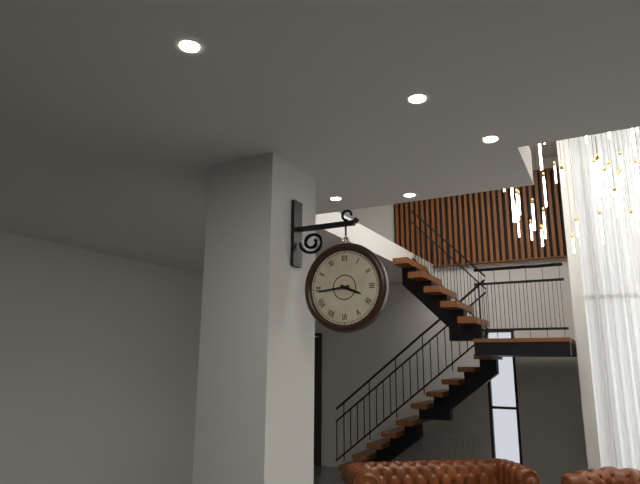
3:44
